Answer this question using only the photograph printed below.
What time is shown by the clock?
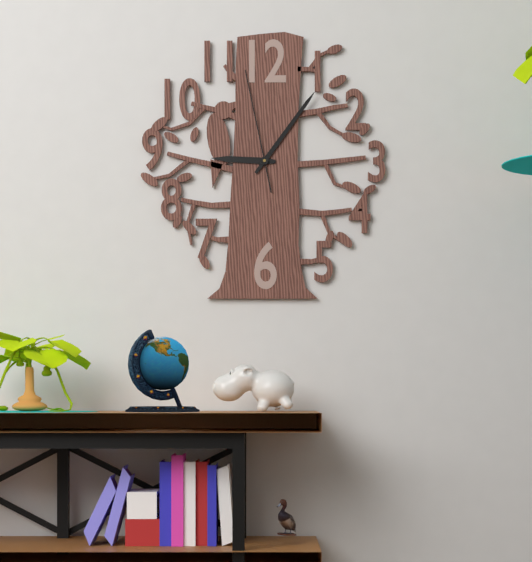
9:06:58
